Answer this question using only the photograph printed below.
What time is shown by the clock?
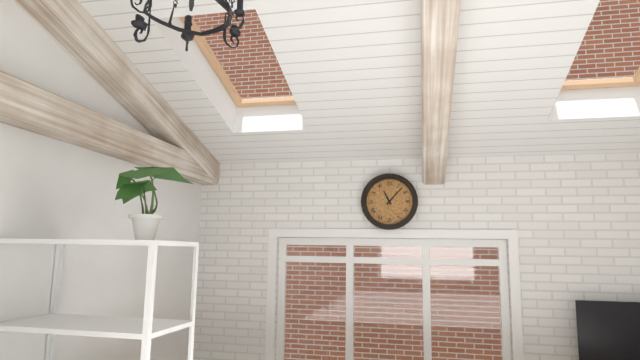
11:07
